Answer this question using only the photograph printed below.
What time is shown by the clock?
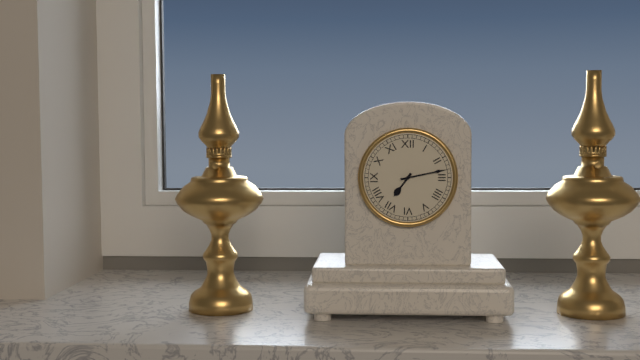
7:13
